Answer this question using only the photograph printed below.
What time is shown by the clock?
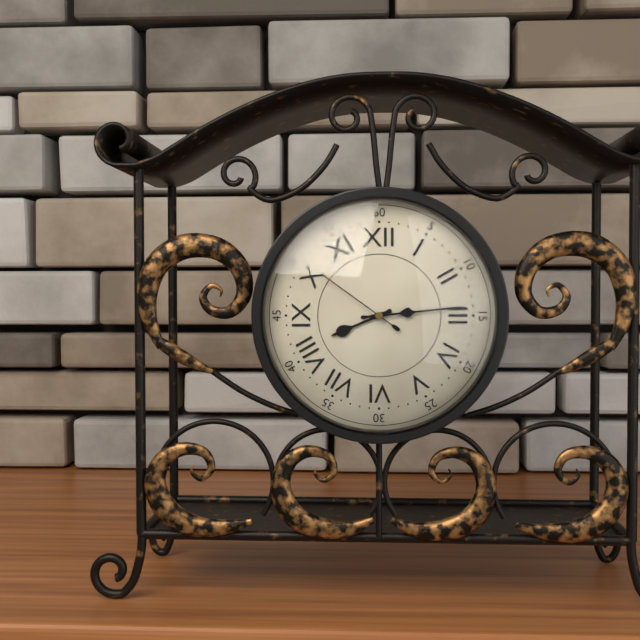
8:14:51
